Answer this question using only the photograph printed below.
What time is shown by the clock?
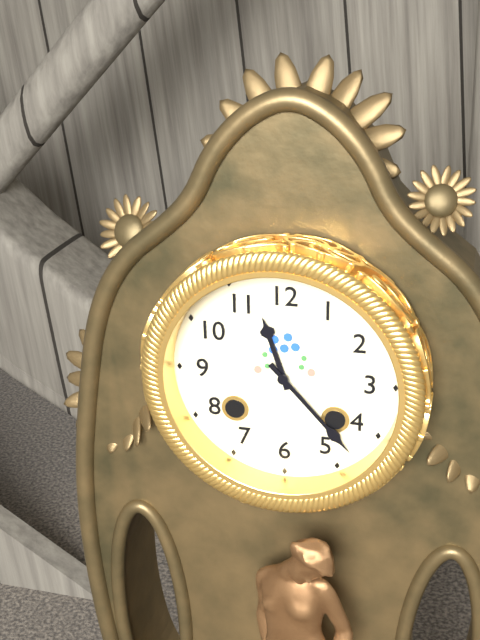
11:23
